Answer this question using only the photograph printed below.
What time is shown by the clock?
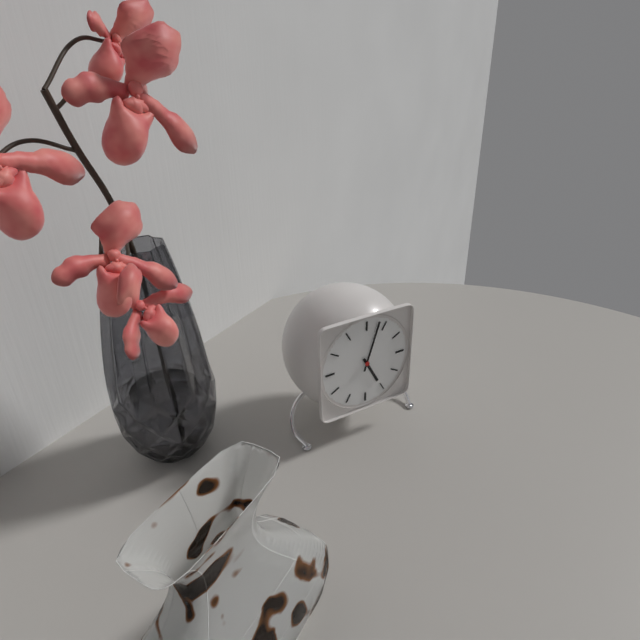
5:03
